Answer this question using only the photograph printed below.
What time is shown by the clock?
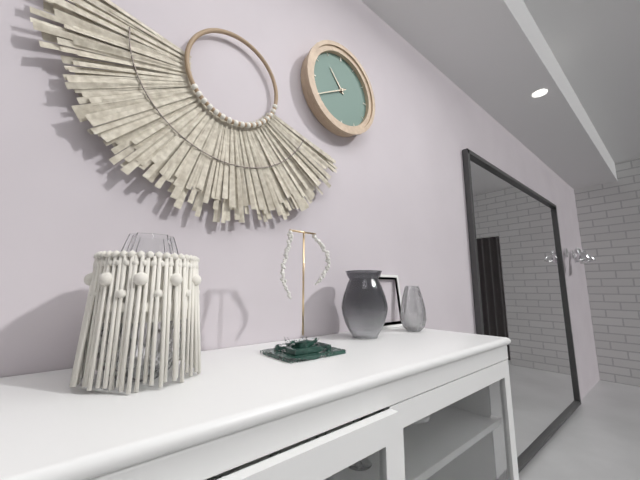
10:40
